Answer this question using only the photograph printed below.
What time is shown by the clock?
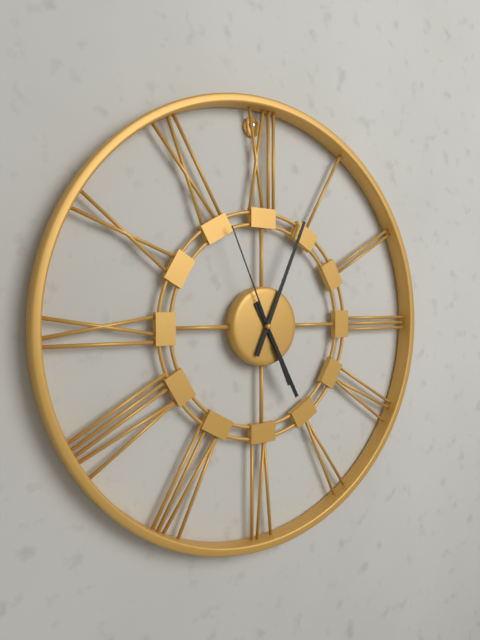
5:04:56
